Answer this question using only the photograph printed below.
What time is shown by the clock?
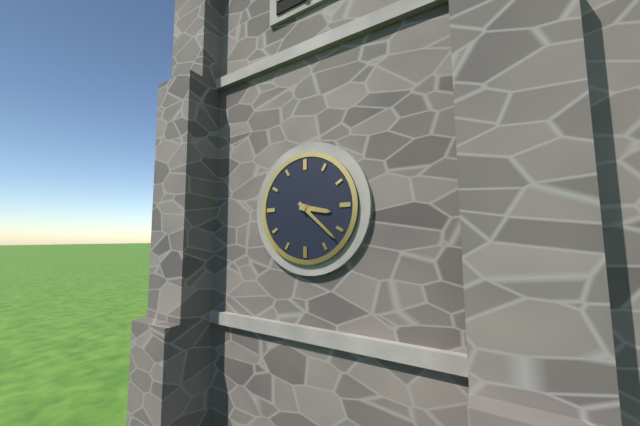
3:22
